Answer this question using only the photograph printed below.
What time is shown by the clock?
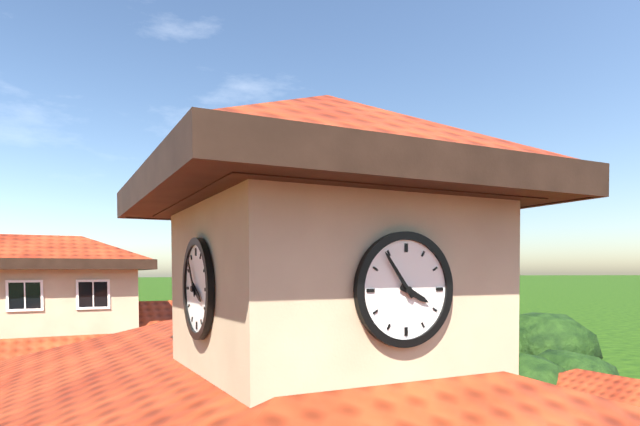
3:54
